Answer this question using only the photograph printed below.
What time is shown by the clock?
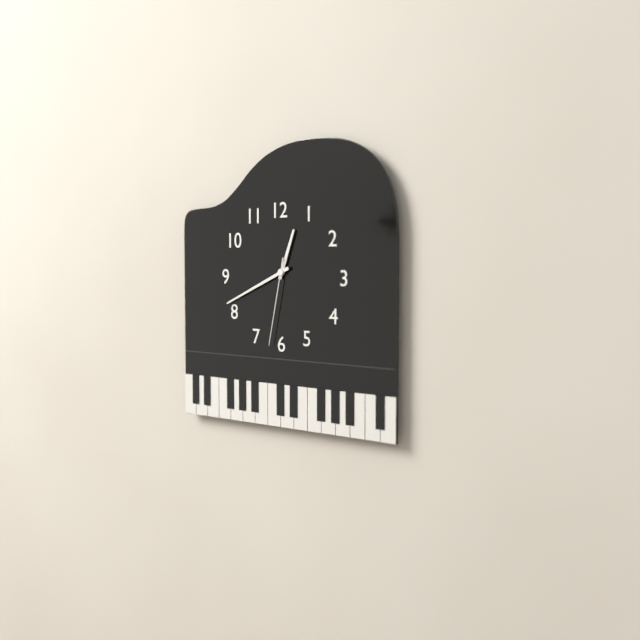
12:41:32
